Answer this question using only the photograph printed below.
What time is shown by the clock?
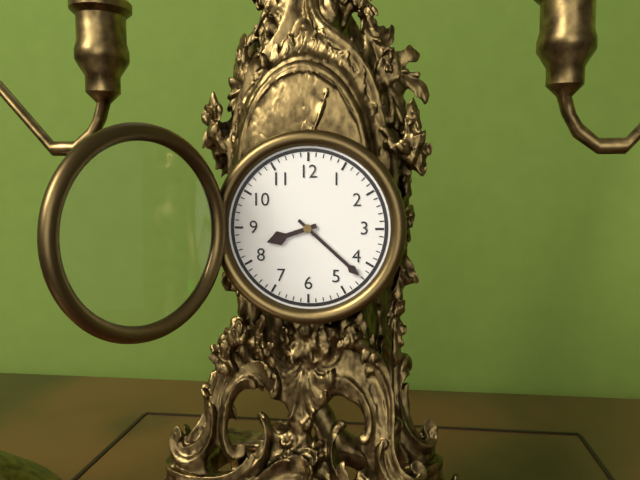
8:22
